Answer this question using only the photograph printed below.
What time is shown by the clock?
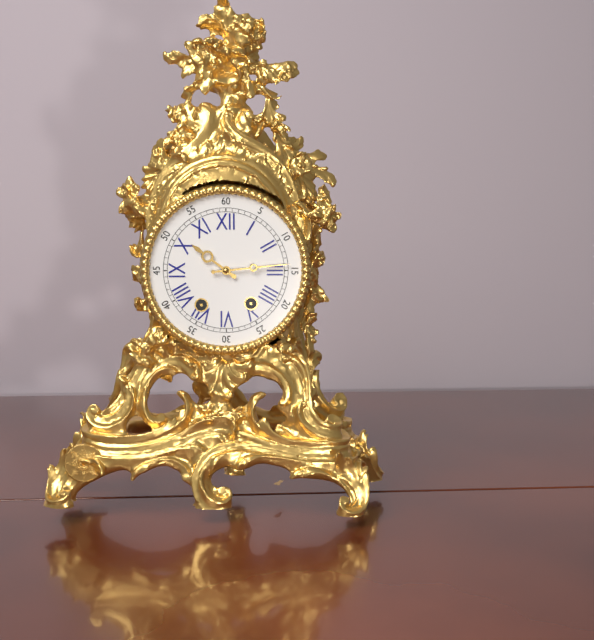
10:14
